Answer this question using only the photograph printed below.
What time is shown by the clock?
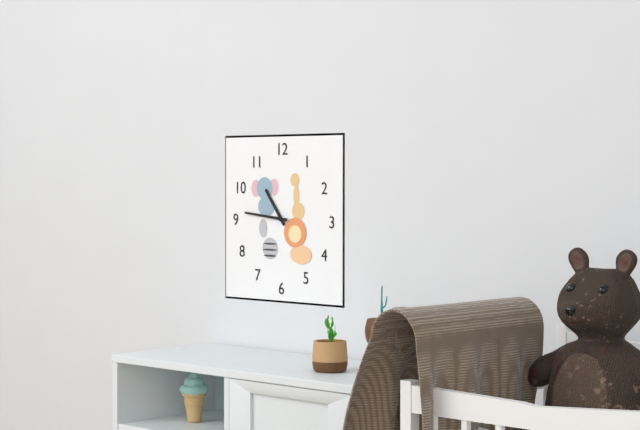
10:46
